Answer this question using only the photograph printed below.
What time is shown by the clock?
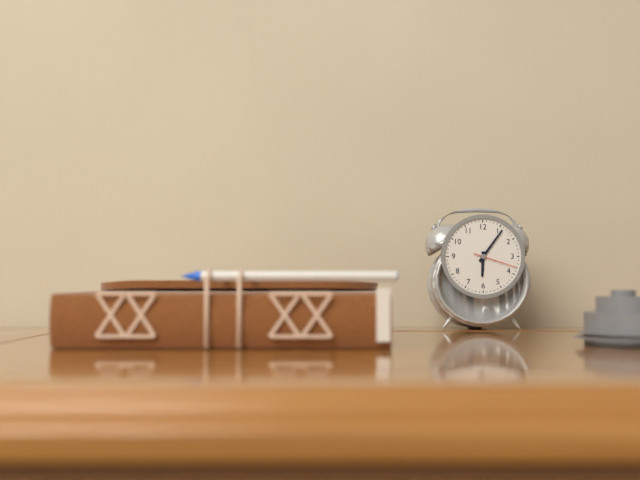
6:06
